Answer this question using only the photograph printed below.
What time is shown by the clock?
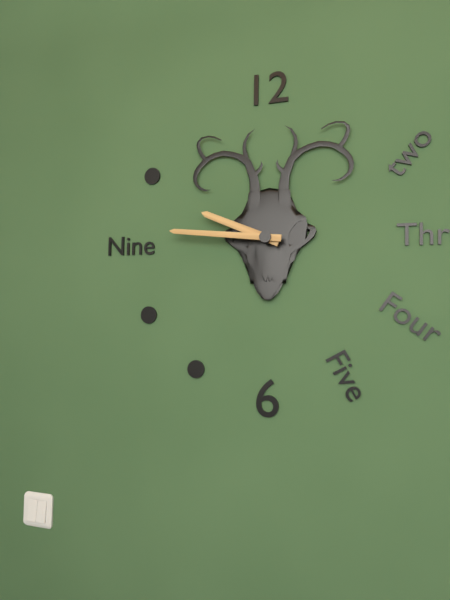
9:46
